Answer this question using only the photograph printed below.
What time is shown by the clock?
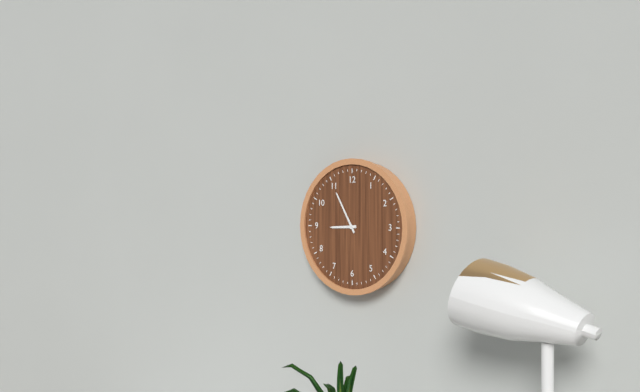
8:55
